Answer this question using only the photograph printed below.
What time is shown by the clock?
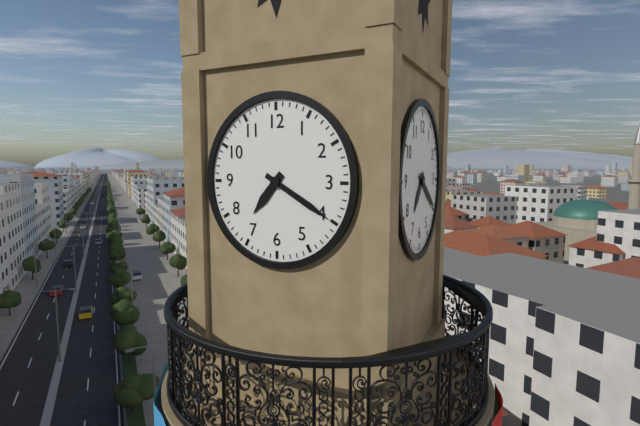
7:20
